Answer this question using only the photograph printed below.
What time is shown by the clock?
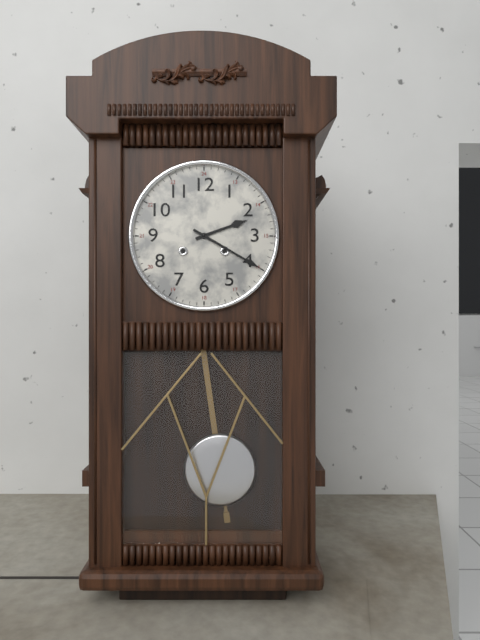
2:20
